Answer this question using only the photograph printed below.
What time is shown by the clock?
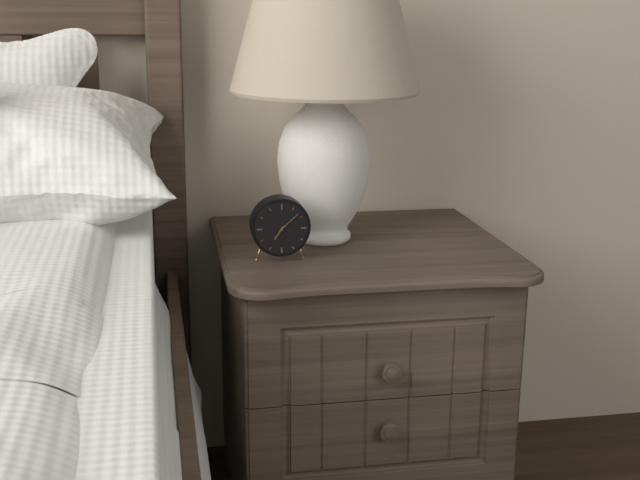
7:08
